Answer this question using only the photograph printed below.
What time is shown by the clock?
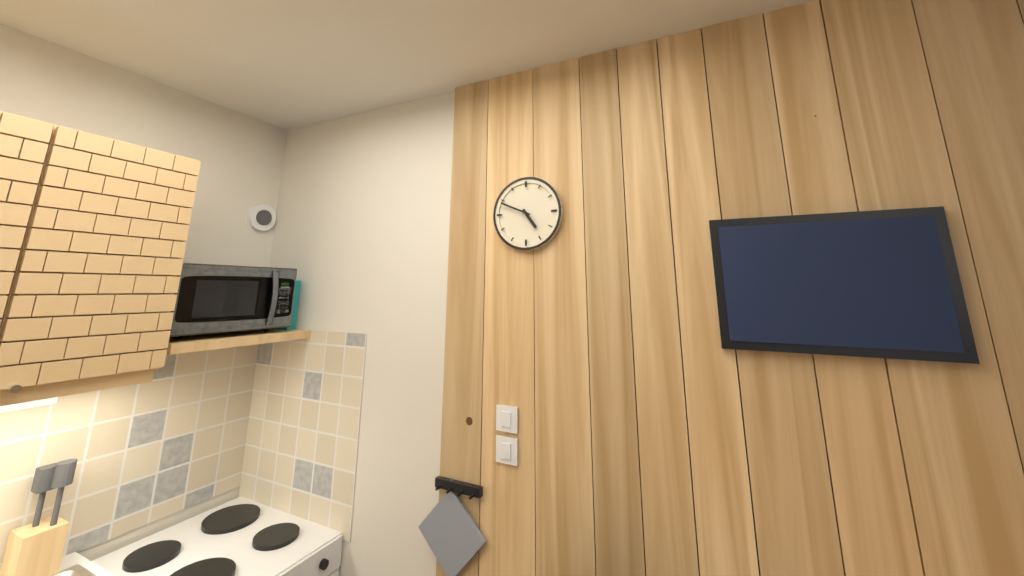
4:49
